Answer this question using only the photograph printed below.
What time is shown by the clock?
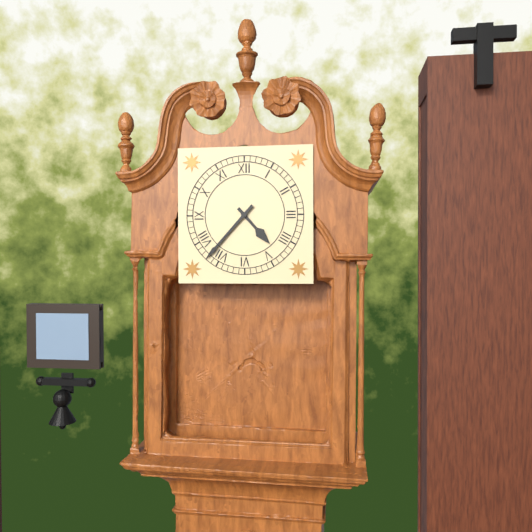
4:37
